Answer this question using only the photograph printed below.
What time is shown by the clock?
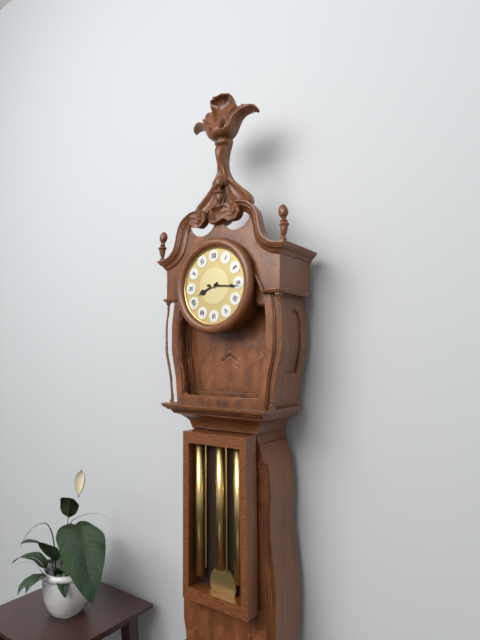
8:16
